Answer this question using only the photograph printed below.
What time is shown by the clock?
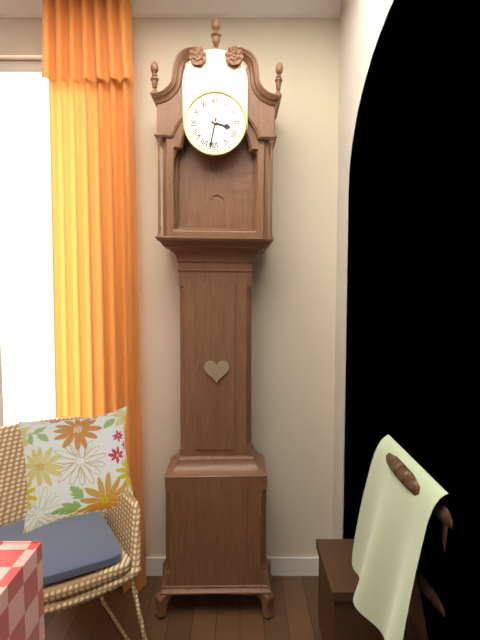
3:32
